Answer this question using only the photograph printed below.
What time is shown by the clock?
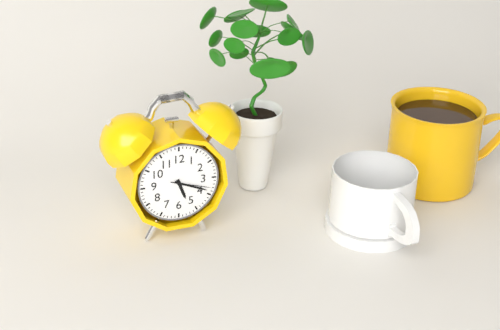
5:19
